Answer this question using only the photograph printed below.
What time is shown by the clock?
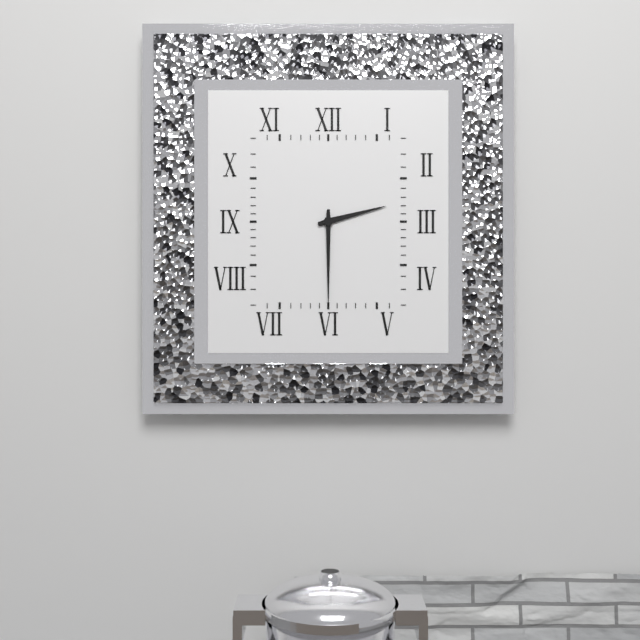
2:30
